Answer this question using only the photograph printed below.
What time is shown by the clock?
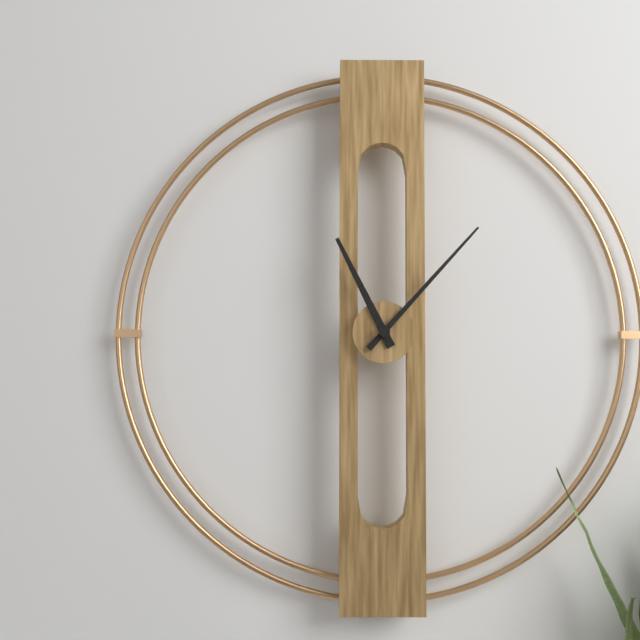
11:07
